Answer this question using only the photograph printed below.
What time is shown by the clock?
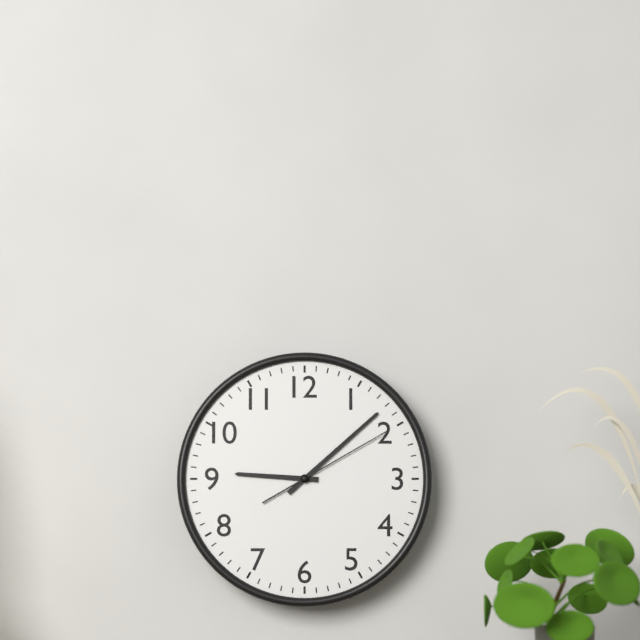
9:08:10
